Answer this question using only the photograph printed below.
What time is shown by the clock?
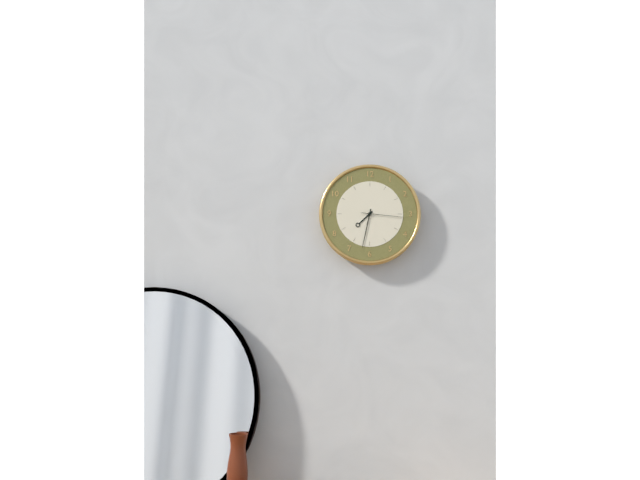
7:32
